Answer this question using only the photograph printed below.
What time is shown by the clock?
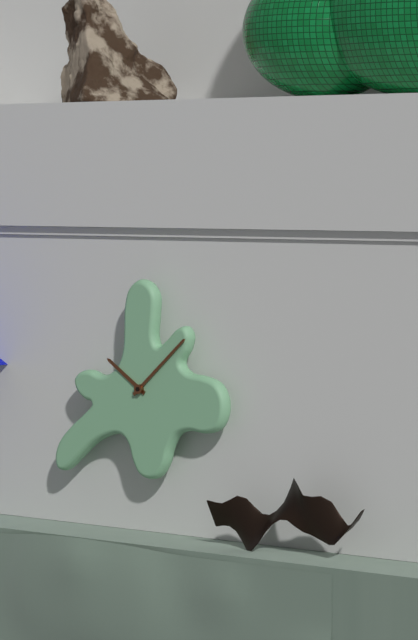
10:08
